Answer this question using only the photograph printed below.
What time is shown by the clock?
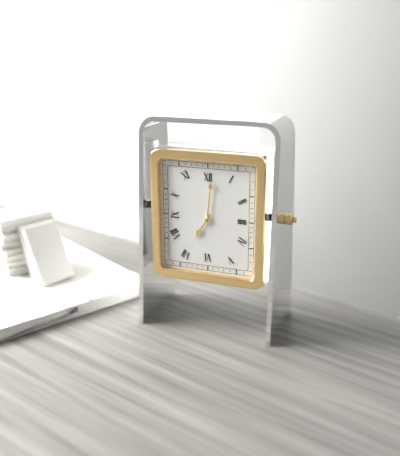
7:01
